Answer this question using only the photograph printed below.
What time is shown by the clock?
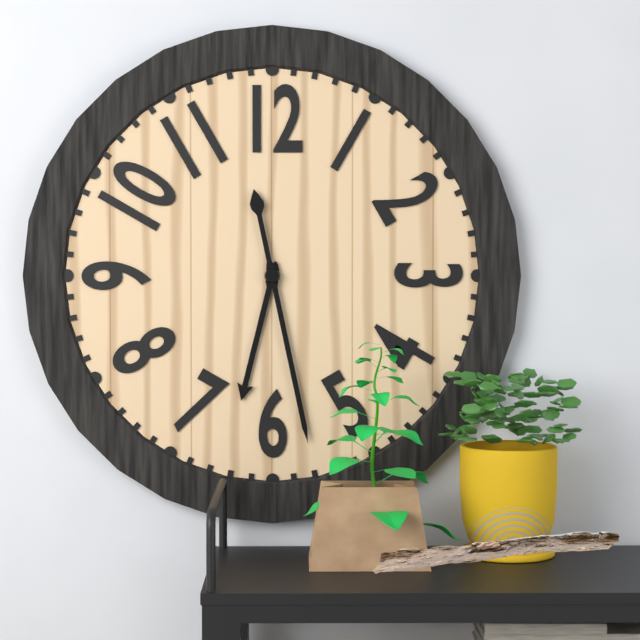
6:28
